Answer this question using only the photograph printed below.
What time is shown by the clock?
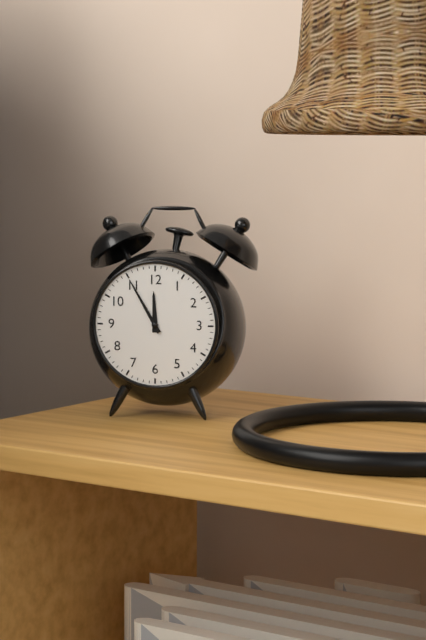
11:55
